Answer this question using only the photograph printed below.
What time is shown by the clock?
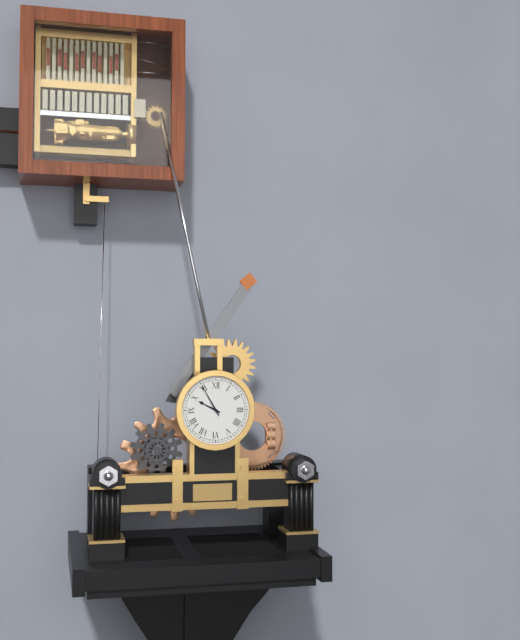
9:55
